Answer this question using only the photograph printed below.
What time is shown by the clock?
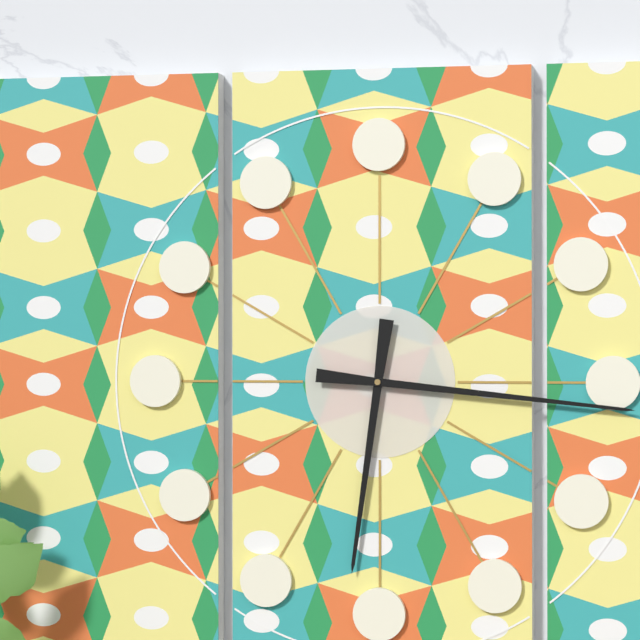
6:16
